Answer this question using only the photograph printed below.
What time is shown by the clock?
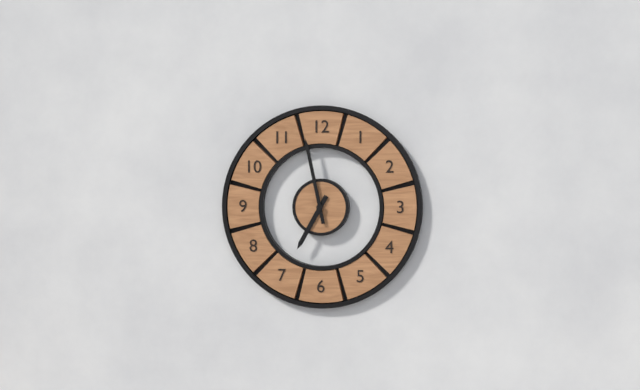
6:58
